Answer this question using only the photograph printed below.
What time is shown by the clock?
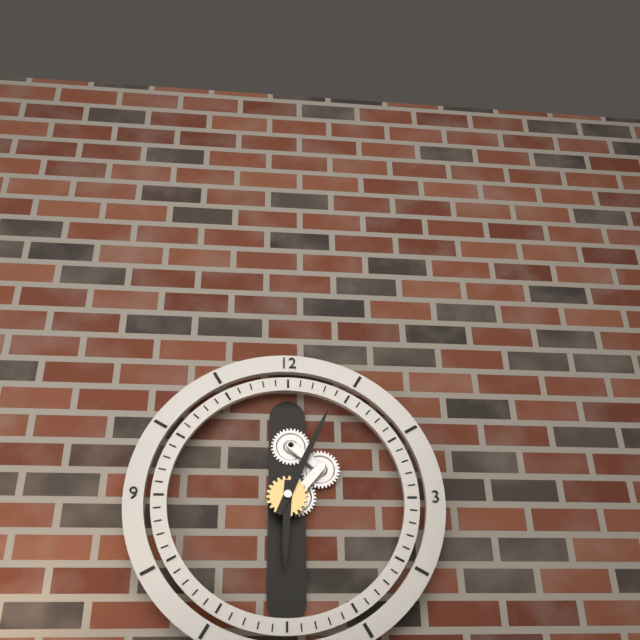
6:04
